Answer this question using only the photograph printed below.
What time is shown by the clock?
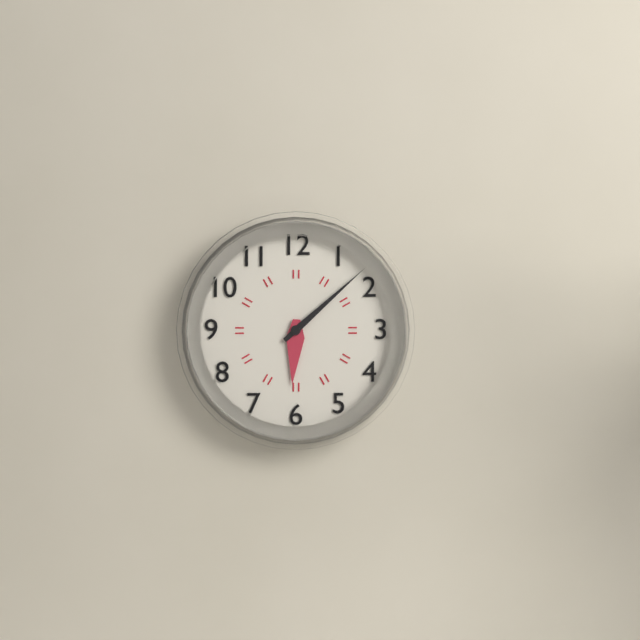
6:08
